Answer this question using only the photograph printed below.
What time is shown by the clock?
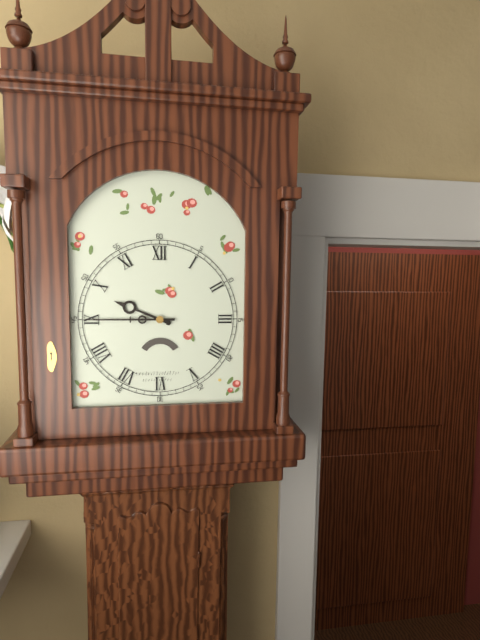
9:45
